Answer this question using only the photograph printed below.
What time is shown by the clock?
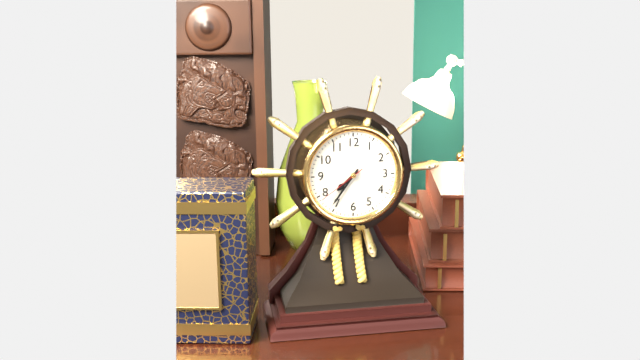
7:36:39
